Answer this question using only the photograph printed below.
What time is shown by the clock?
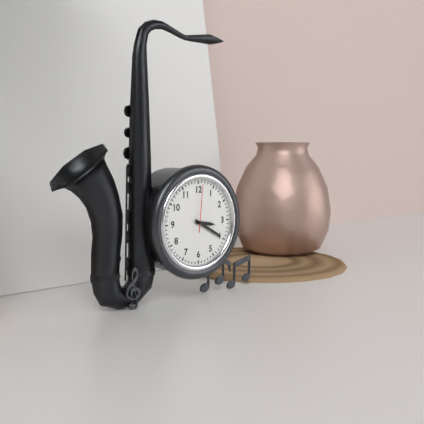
3:20
